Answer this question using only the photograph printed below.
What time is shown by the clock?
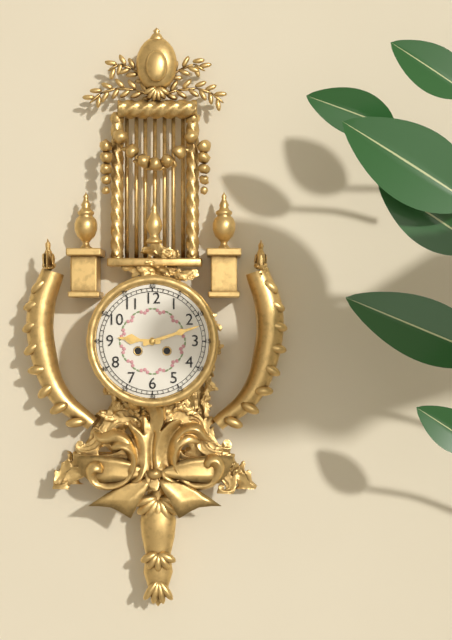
9:12
